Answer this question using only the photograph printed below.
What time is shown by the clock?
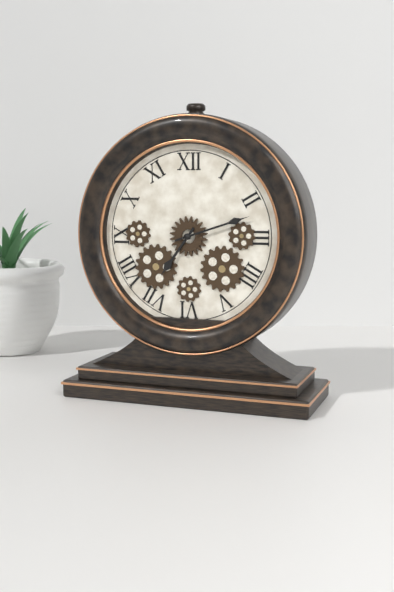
7:12
